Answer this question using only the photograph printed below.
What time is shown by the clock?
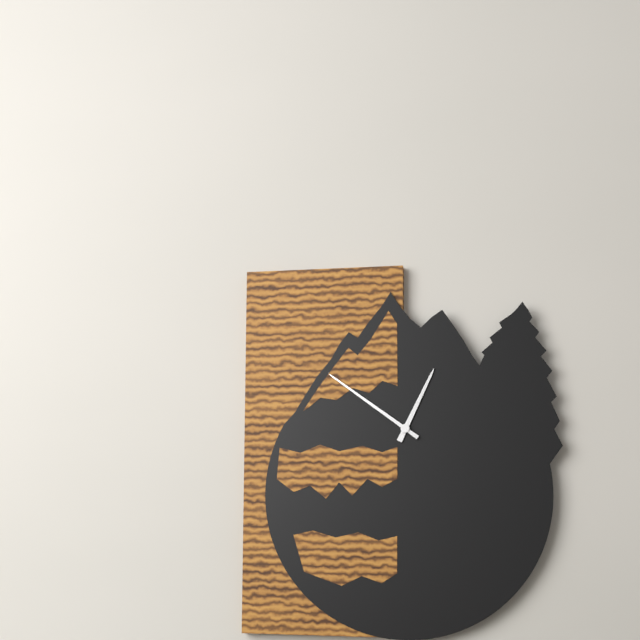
12:51
